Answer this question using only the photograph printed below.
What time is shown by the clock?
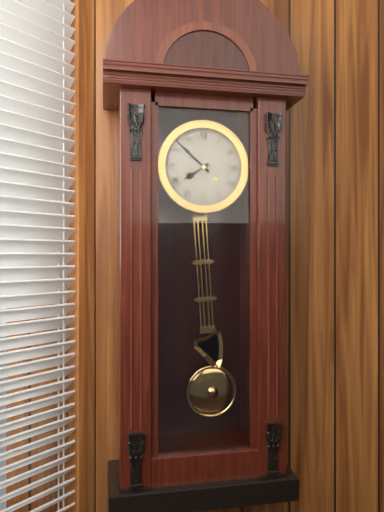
7:52
